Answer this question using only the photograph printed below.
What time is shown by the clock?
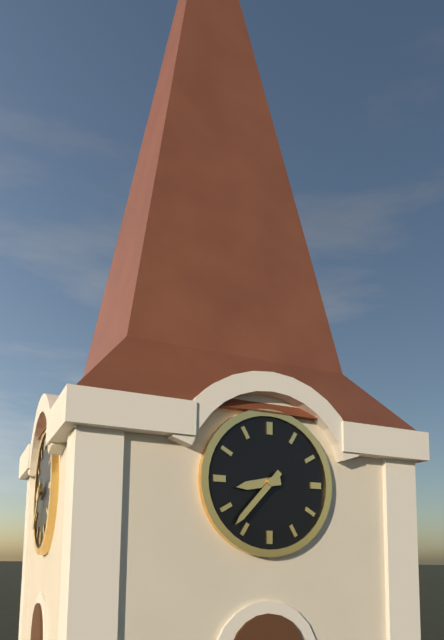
8:37
